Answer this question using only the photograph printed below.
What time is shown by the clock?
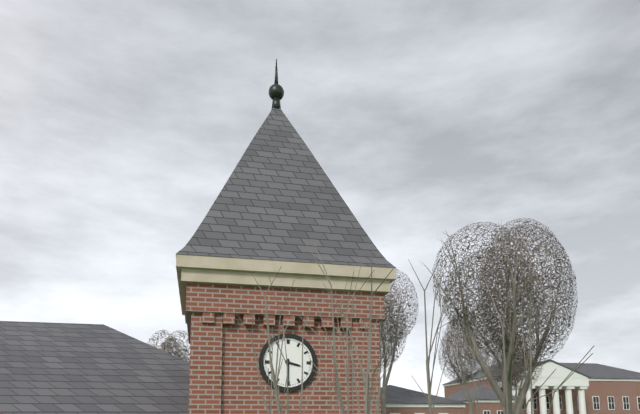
3:30
